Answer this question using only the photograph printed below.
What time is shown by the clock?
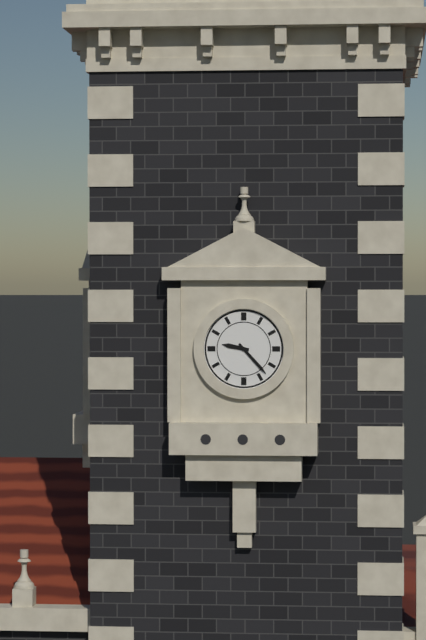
9:23
